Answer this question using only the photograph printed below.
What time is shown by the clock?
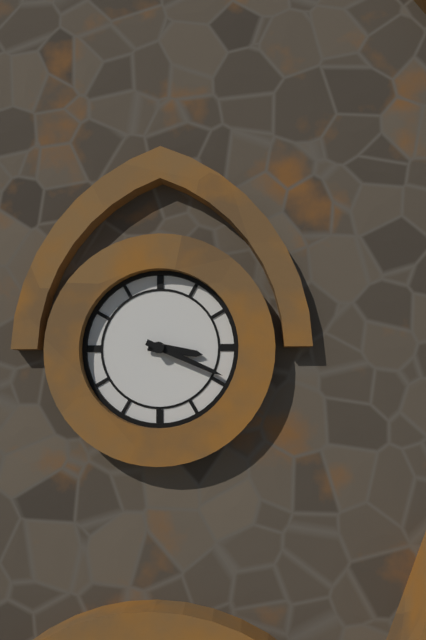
3:19
